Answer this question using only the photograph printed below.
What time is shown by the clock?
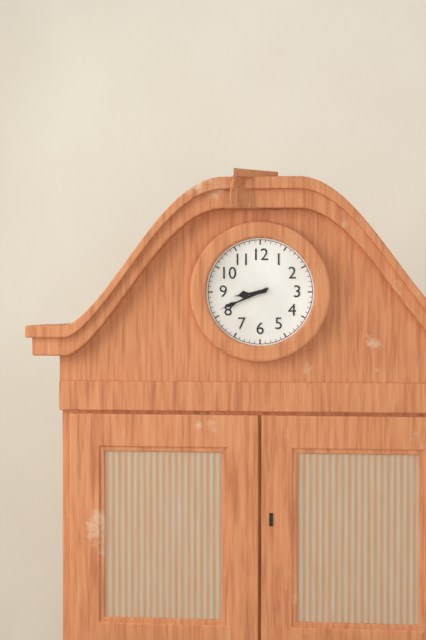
8:41
